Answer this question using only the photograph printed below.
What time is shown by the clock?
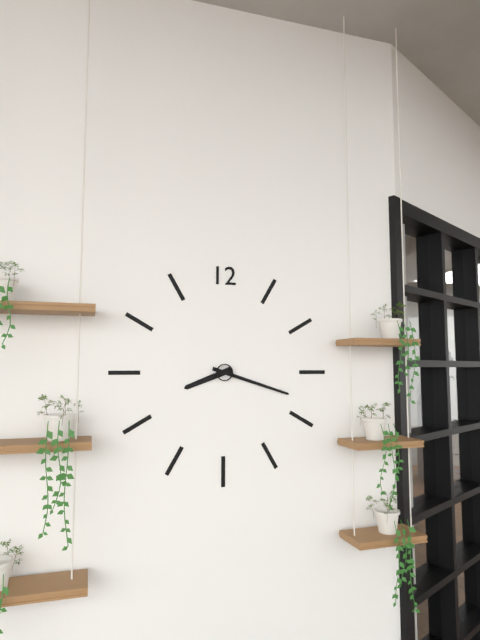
8:18
